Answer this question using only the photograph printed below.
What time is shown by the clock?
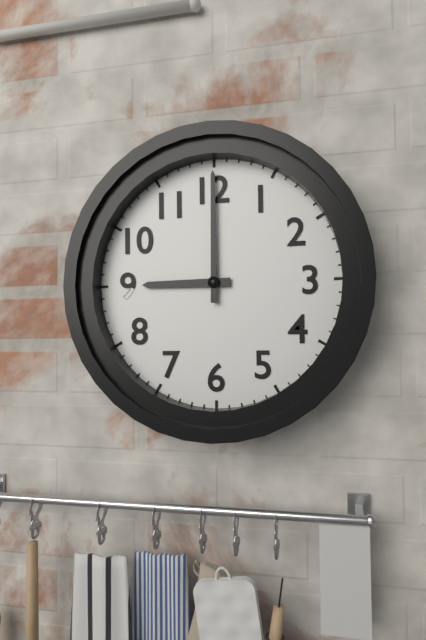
9:00
